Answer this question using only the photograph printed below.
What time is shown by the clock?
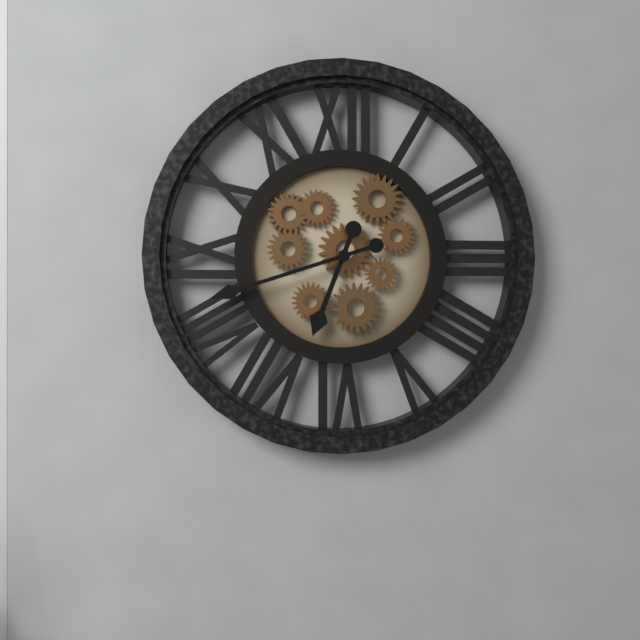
6:42
